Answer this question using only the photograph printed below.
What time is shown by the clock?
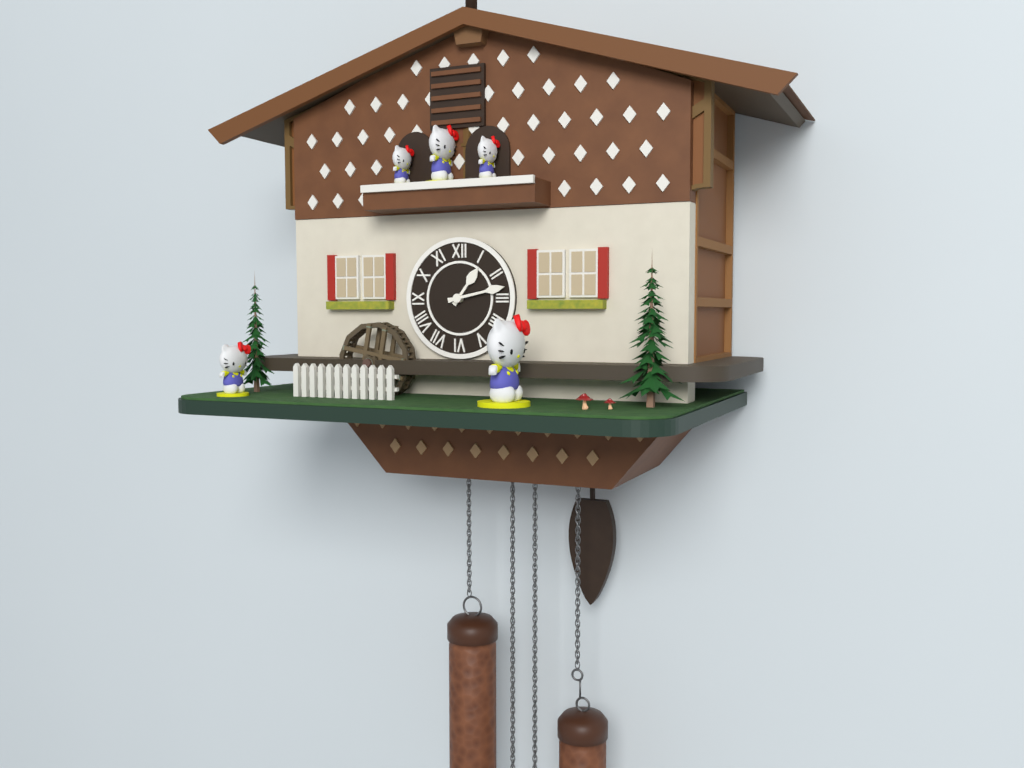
1:13
